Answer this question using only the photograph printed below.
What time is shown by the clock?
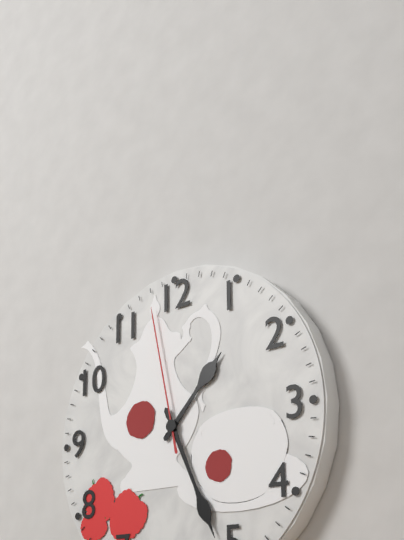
1:26:58
